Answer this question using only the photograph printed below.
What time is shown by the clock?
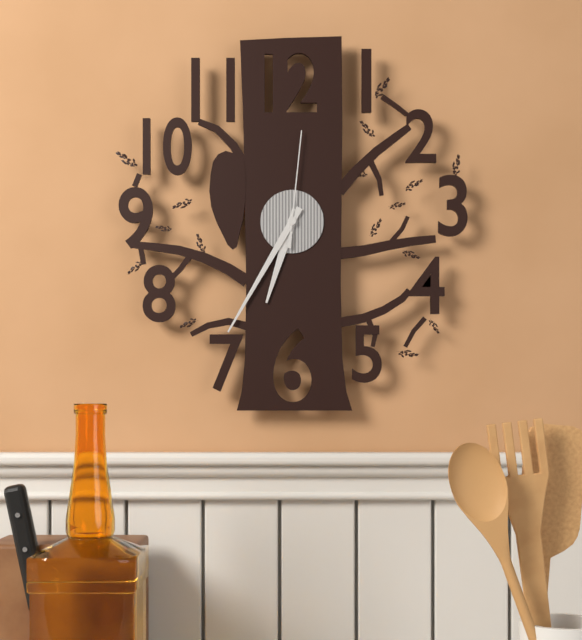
6:35:01
